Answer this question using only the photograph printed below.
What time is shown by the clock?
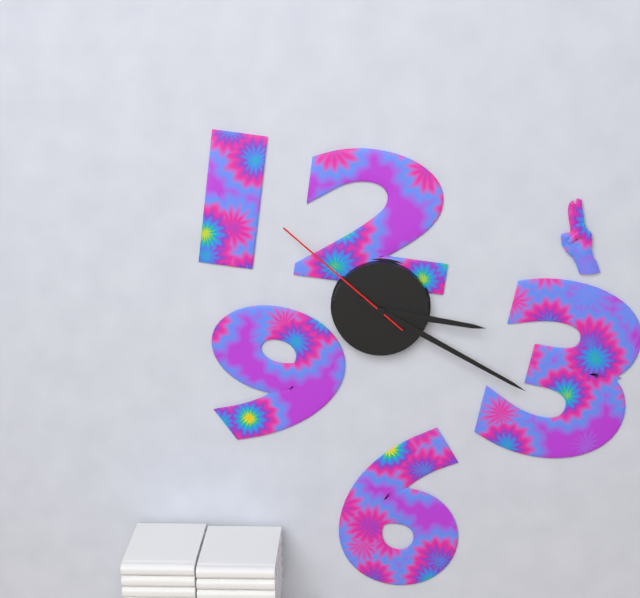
3:20:52
